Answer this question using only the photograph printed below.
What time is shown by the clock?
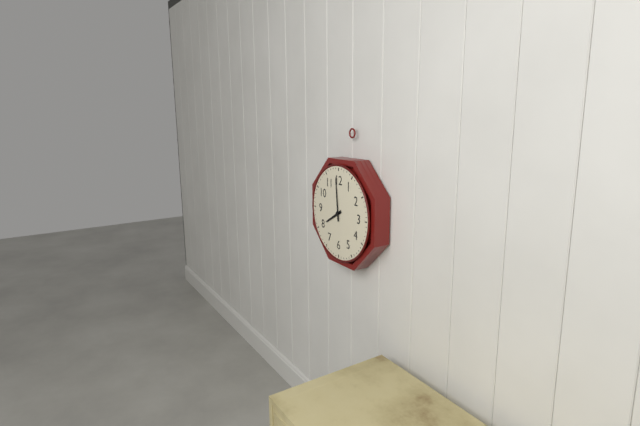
7:59
